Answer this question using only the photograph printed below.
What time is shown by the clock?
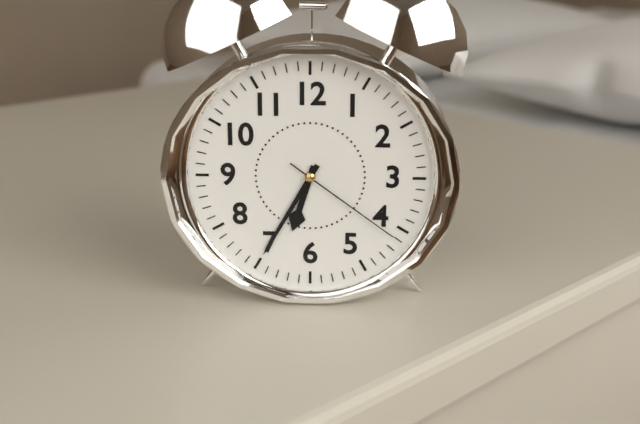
6:35:21
